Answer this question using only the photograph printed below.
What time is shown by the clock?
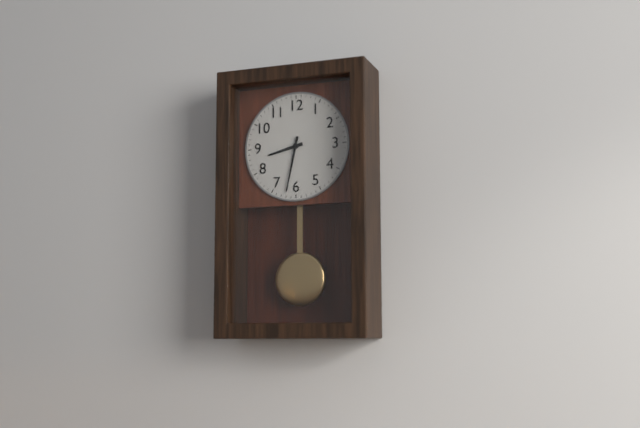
8:32
